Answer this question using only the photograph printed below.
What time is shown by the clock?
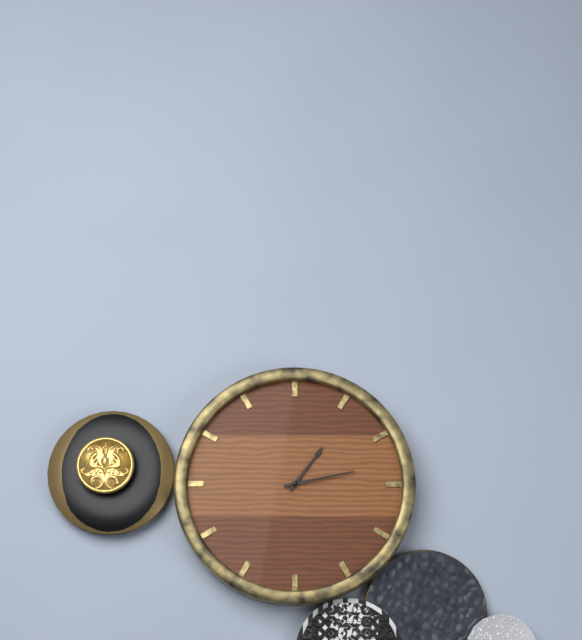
1:13
